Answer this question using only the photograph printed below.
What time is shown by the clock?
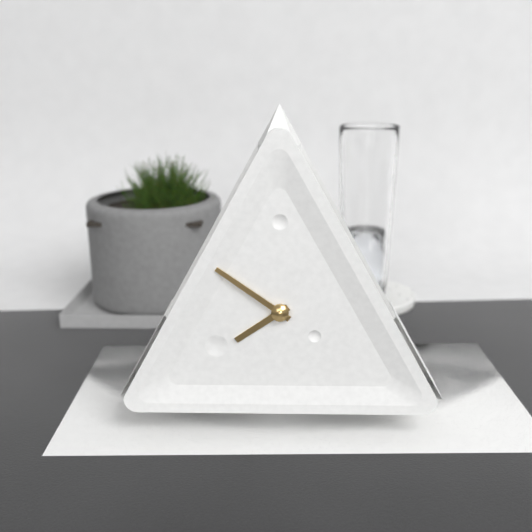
7:51
